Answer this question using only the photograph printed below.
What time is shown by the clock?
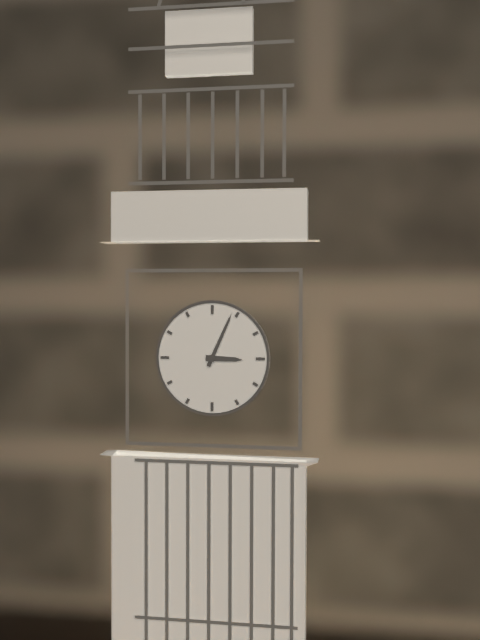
3:04
